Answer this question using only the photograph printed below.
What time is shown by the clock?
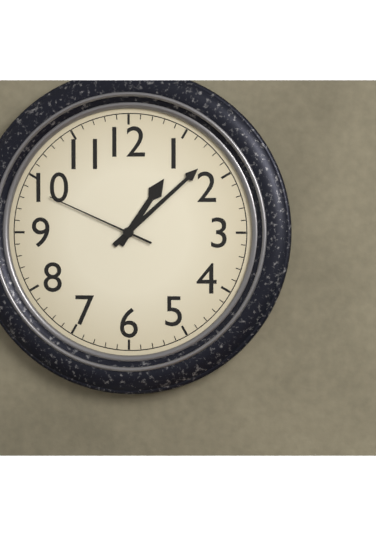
1:08:49
